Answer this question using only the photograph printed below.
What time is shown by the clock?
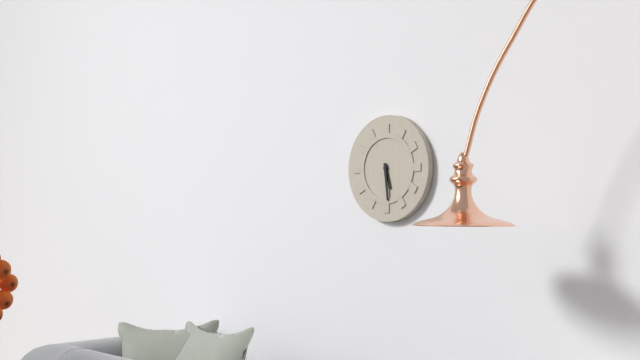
5:29
